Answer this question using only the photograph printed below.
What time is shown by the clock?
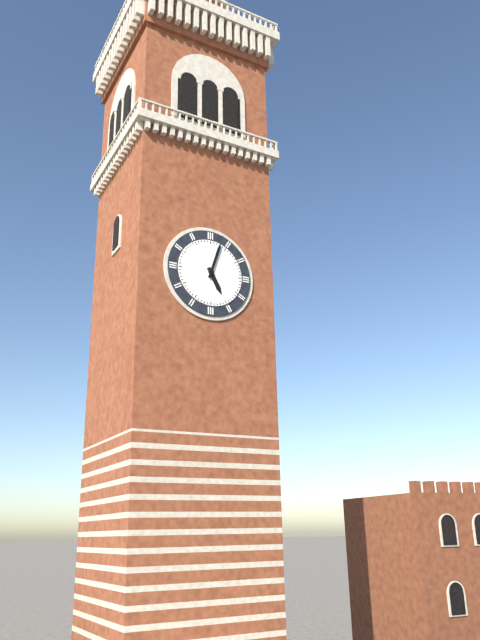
5:03
